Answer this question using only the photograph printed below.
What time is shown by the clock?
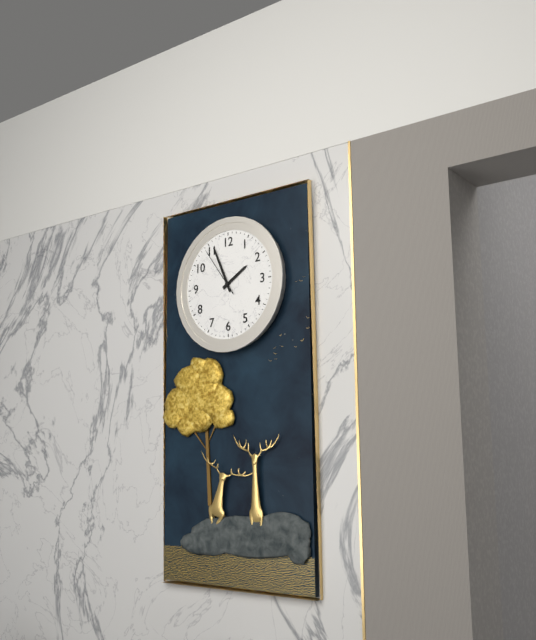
1:56
